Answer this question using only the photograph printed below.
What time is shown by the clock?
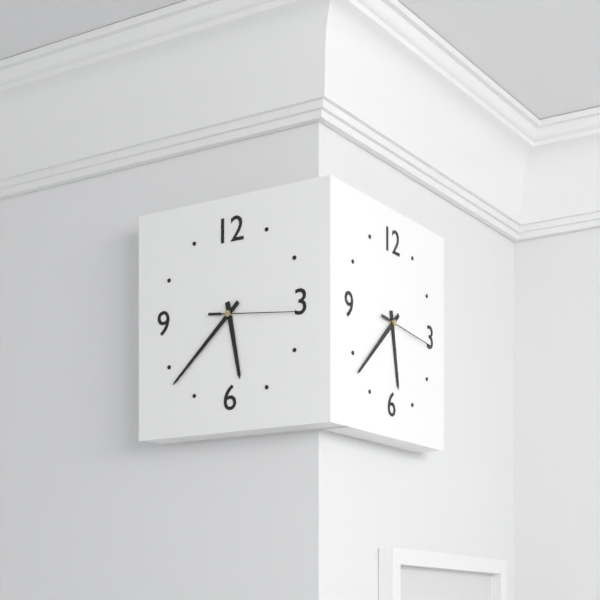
5:38:16
